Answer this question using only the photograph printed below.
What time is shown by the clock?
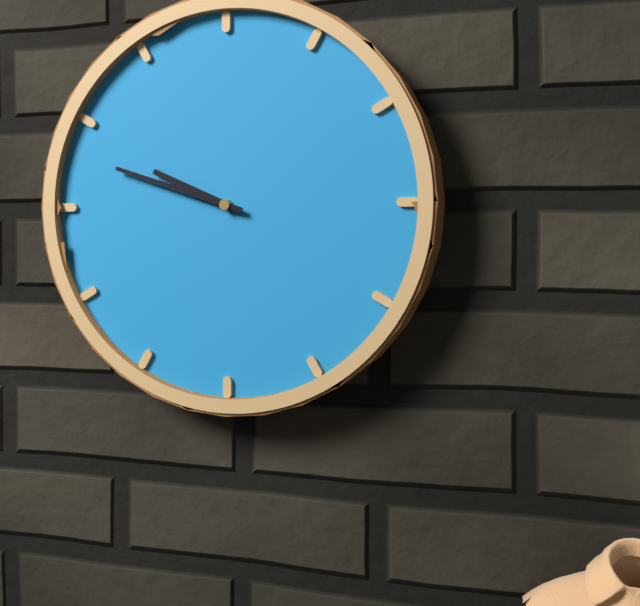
9:48
